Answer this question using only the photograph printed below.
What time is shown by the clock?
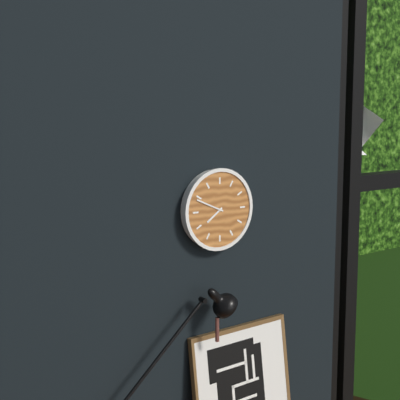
7:49
